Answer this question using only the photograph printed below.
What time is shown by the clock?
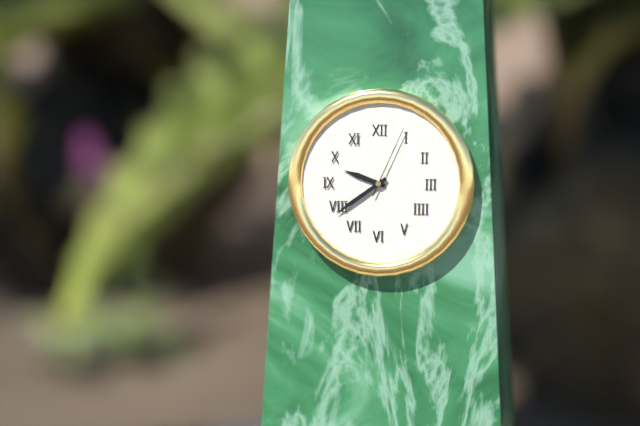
9:39:04
